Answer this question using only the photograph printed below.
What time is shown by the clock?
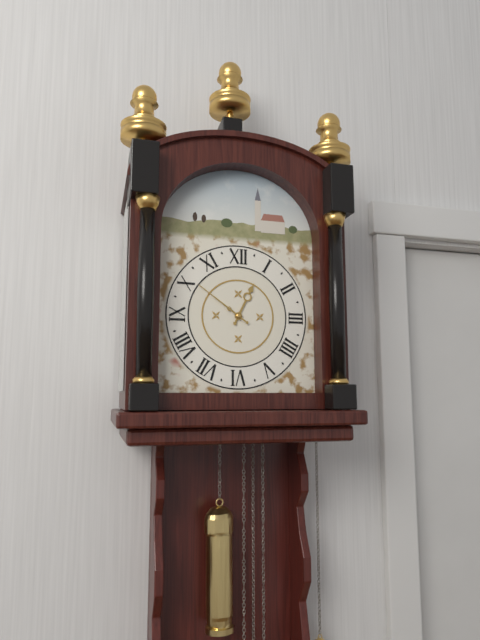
12:51
